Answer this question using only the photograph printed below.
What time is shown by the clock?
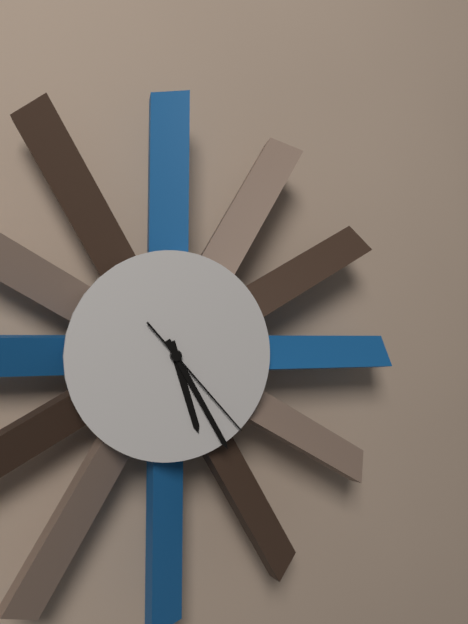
5:25:23
